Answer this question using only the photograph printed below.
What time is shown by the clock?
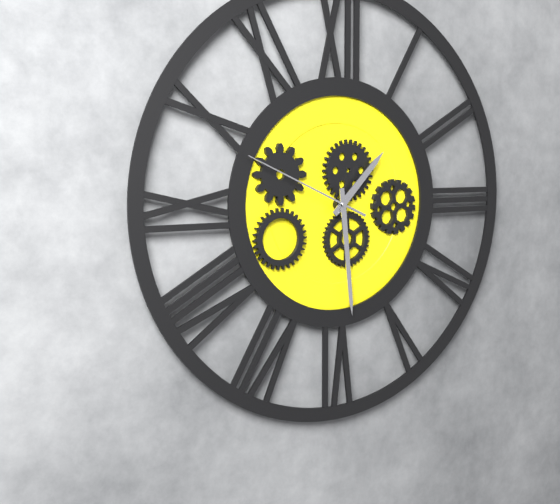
1:29:49
